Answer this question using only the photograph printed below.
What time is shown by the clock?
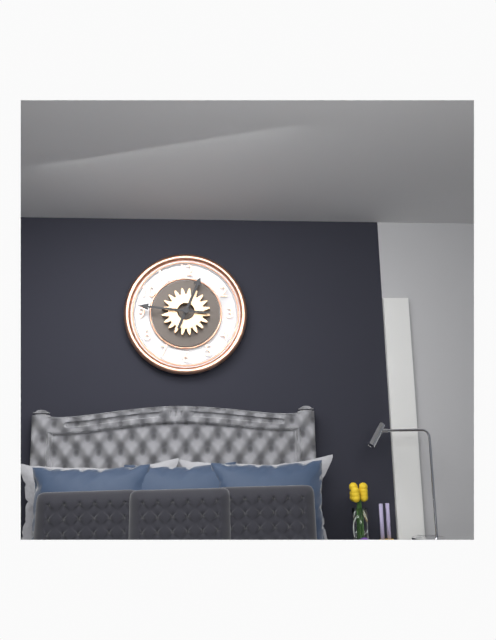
12:46
